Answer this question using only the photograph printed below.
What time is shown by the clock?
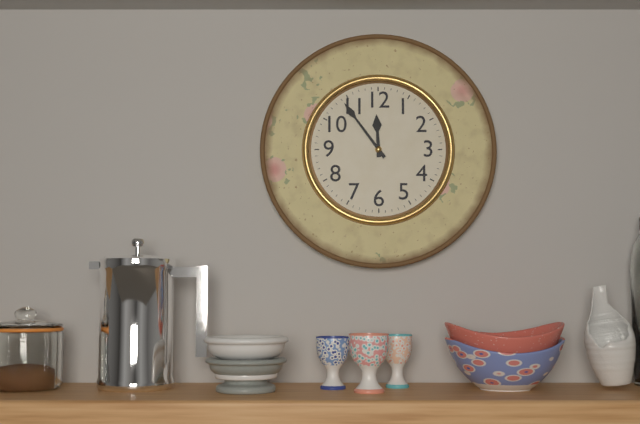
11:54
